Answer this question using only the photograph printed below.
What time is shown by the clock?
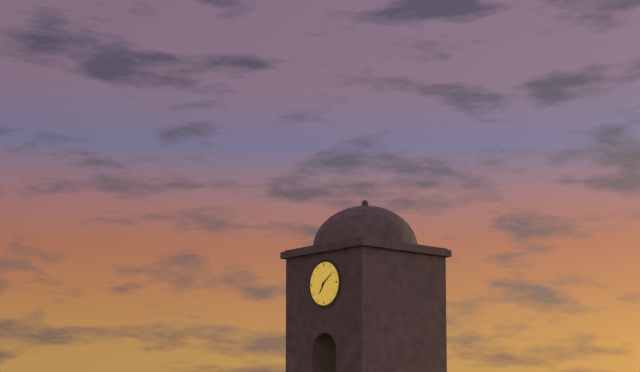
7:09
